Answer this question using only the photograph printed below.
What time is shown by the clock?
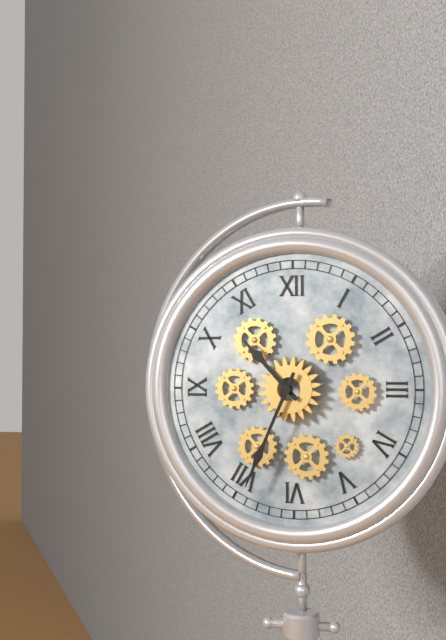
10:34
